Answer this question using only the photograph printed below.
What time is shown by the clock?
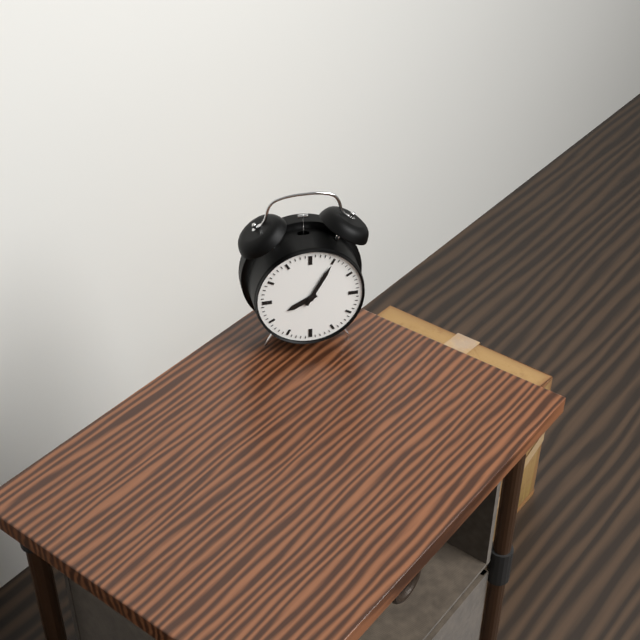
8:05
